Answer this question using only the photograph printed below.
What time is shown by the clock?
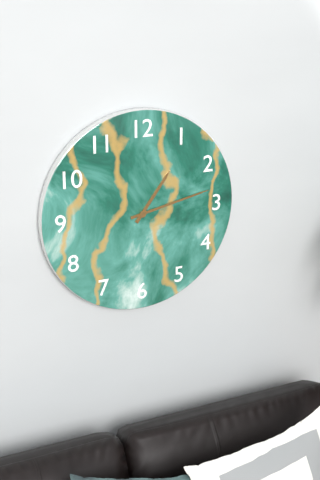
1:13
